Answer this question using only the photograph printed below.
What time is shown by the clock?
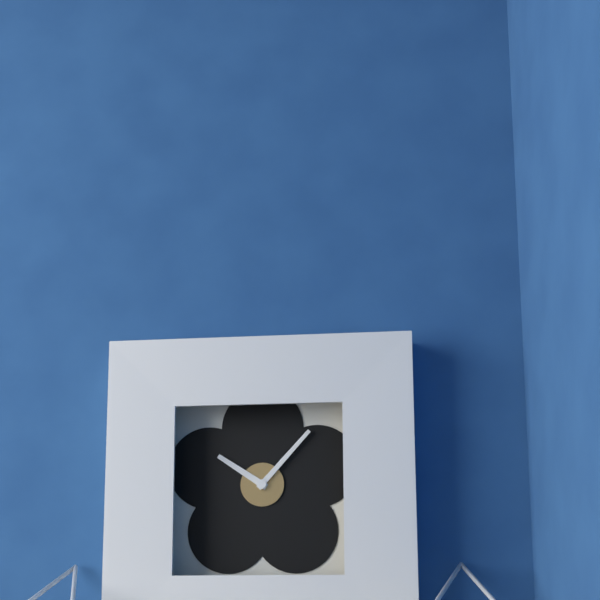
10:07
